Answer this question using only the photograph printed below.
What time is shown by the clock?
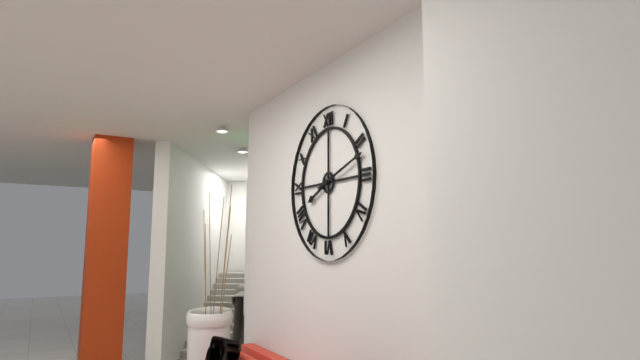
8:12
